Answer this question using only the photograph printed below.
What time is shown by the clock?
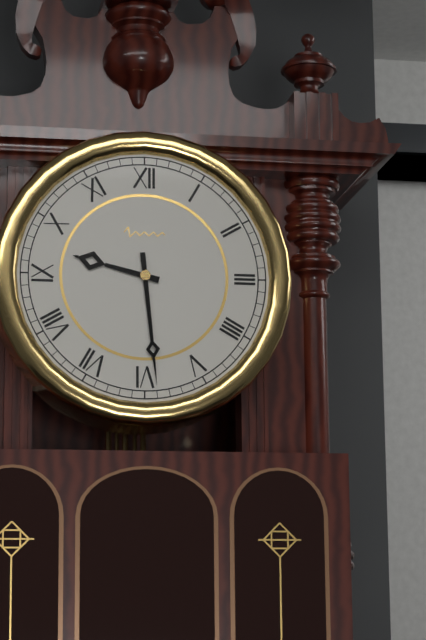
9:29
